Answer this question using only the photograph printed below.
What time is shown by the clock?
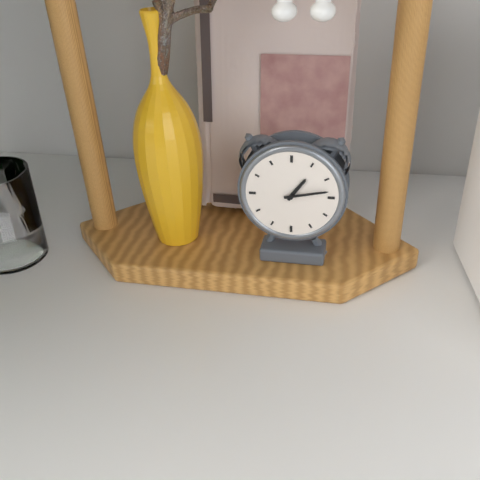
1:13
